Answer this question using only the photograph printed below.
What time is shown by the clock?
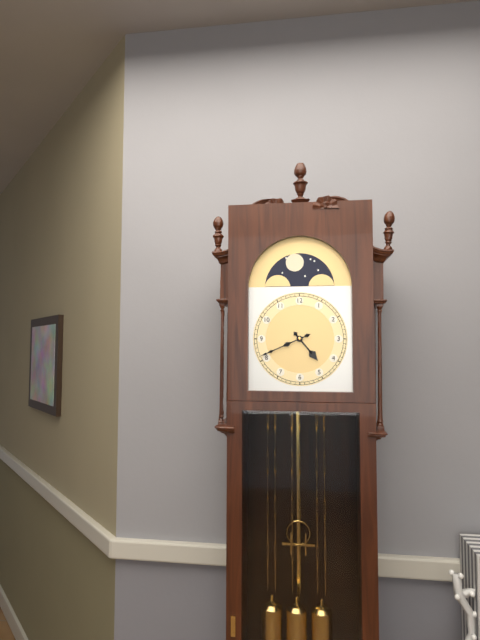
4:41
